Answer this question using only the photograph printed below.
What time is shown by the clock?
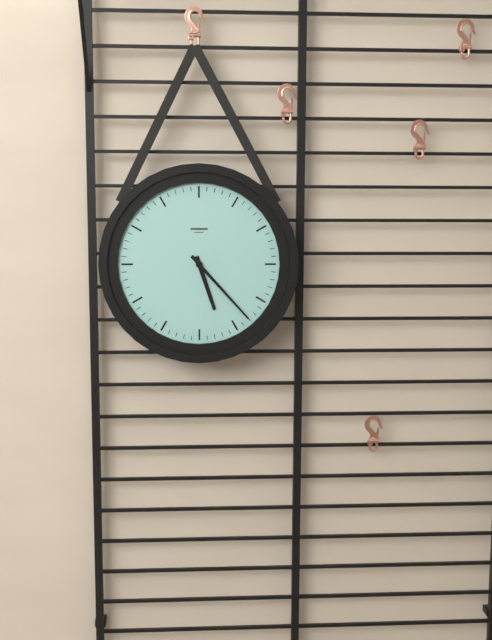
5:23
